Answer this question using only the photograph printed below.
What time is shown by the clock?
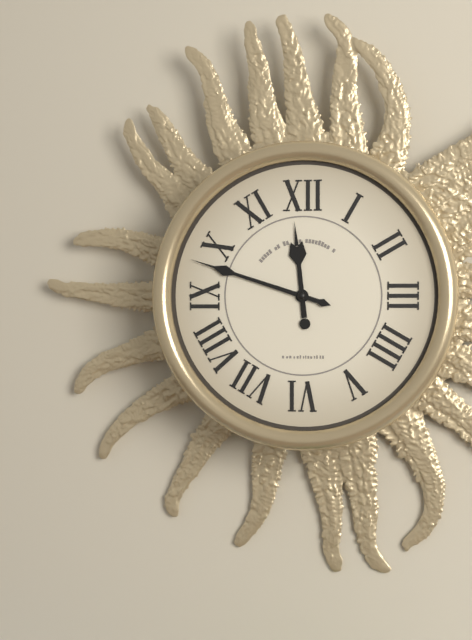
11:48
